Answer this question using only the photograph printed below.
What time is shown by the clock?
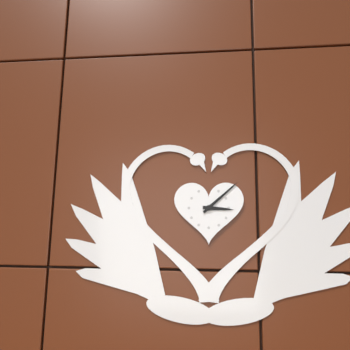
3:08
